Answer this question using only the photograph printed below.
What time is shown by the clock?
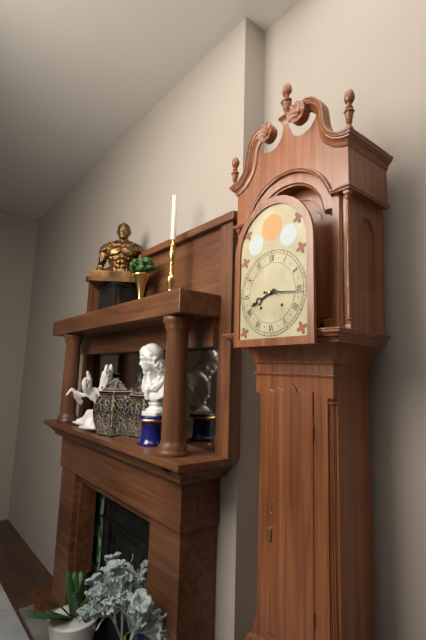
8:16
